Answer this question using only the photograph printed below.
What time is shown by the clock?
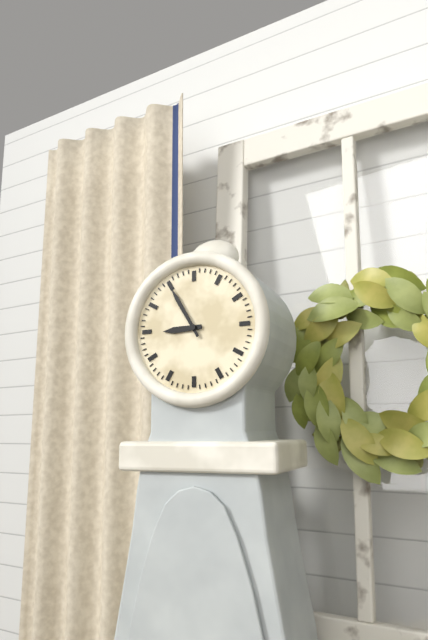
8:55
